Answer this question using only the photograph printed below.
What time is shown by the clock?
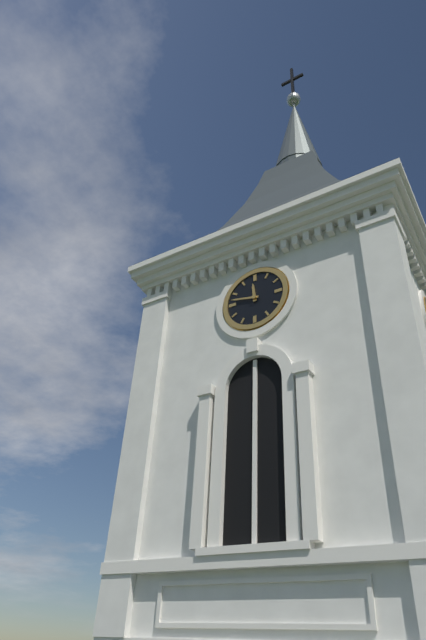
11:47
